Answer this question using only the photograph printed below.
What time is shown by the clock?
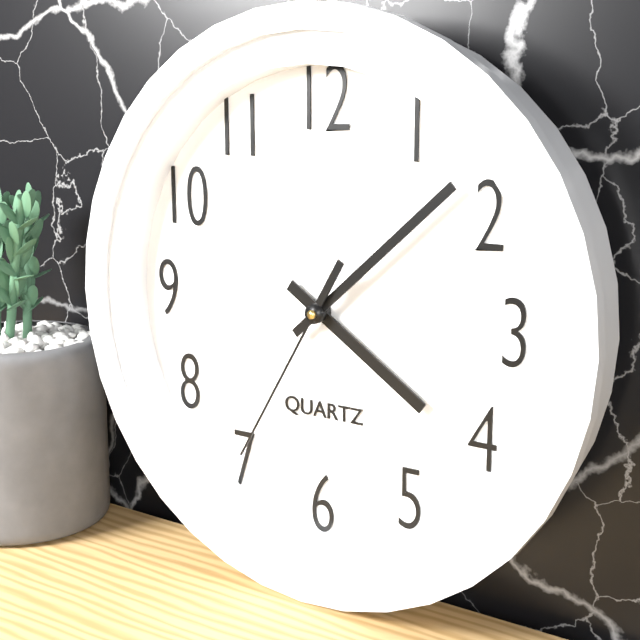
4:08:35
